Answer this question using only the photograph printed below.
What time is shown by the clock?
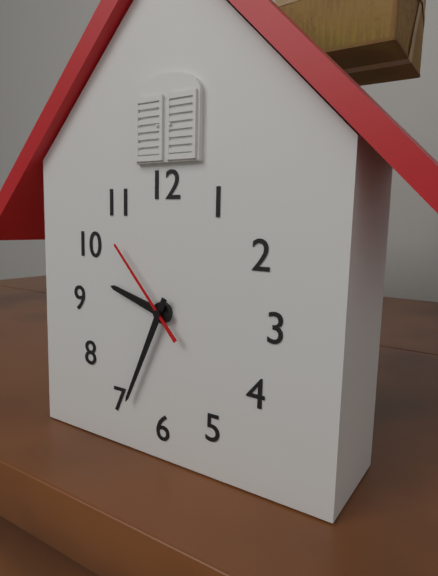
9:34:53
